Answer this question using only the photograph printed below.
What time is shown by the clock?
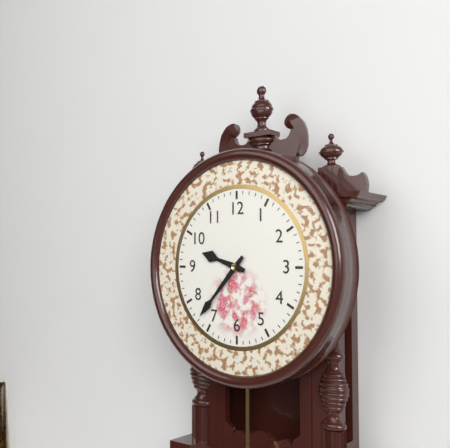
9:37
